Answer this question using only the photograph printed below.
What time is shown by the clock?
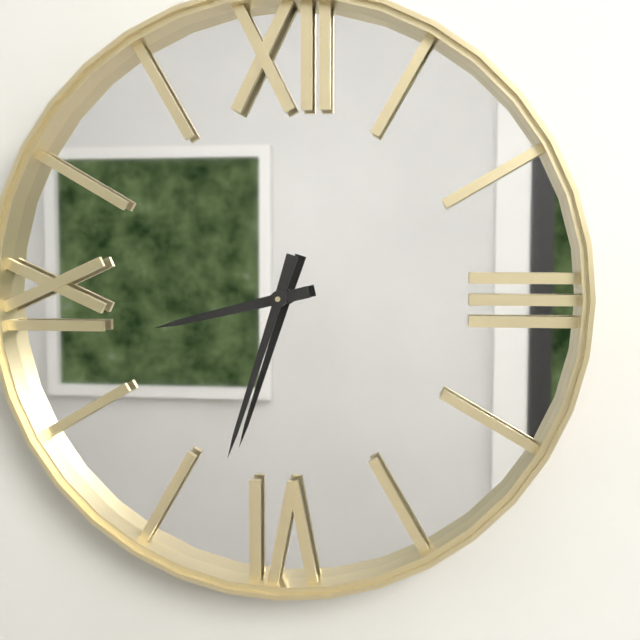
8:33
